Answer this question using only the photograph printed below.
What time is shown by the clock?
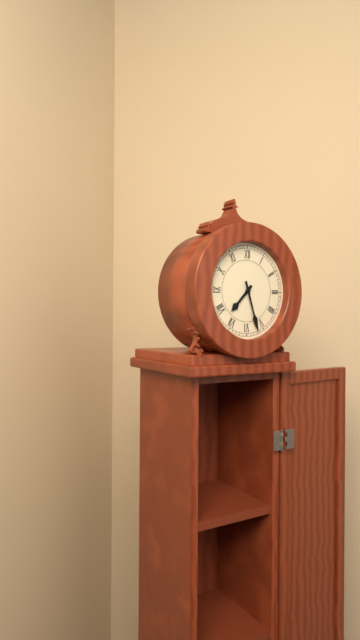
7:27
